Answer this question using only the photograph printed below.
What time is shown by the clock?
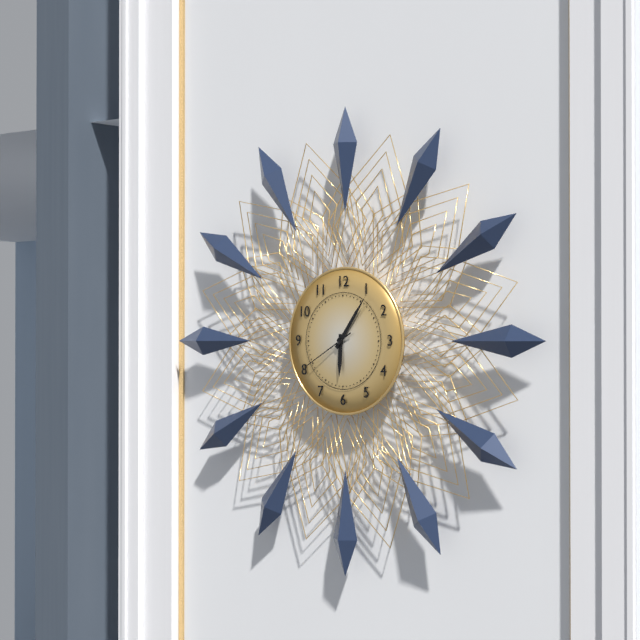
6:06:40
